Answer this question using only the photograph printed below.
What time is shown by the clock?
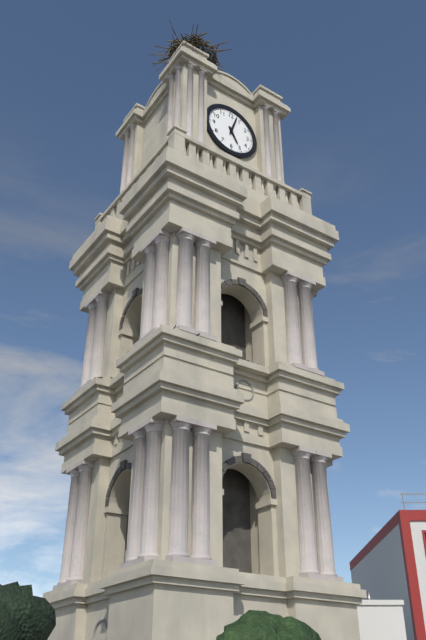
5:03
